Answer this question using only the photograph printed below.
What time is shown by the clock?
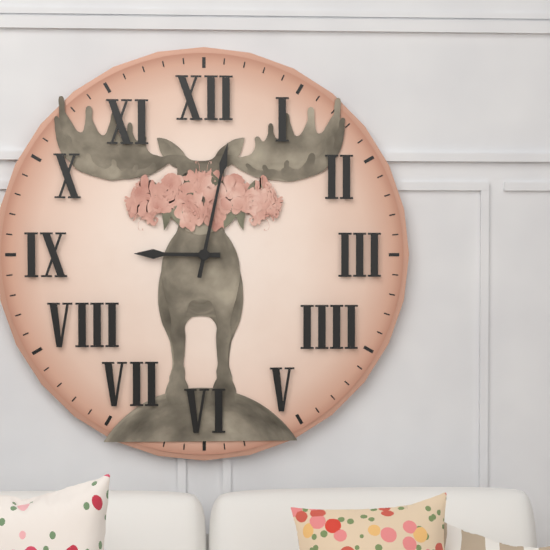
9:02
